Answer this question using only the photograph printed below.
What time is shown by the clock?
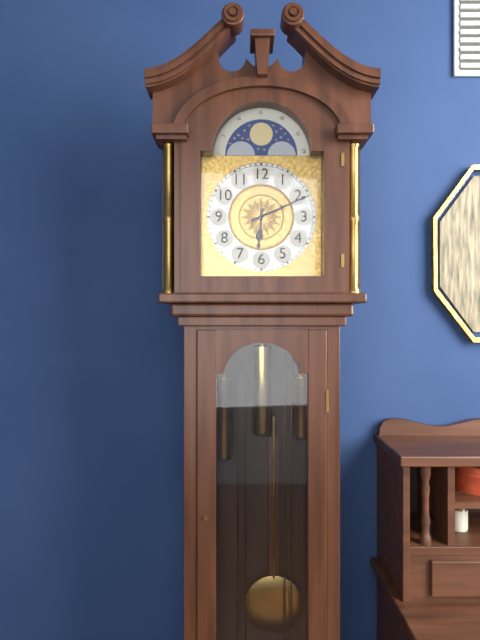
6:11
